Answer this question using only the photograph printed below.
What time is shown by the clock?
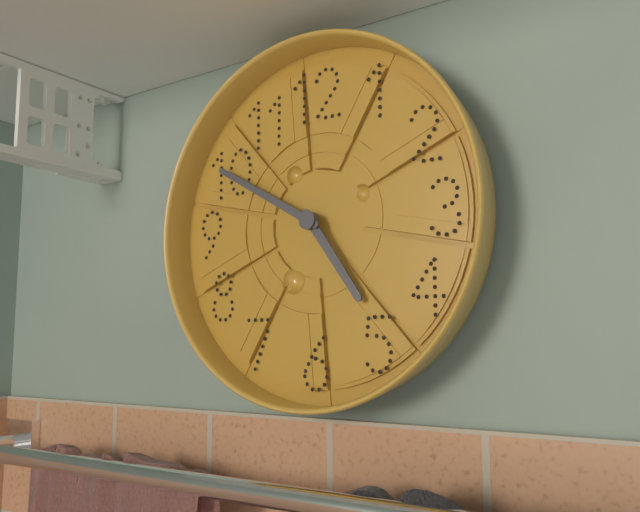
4:50
